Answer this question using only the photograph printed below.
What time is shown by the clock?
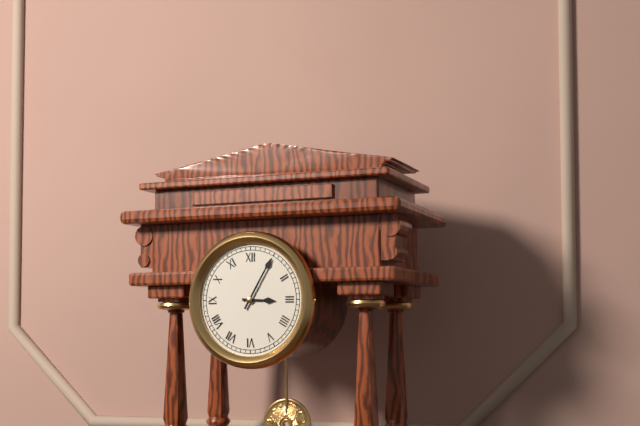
3:05
